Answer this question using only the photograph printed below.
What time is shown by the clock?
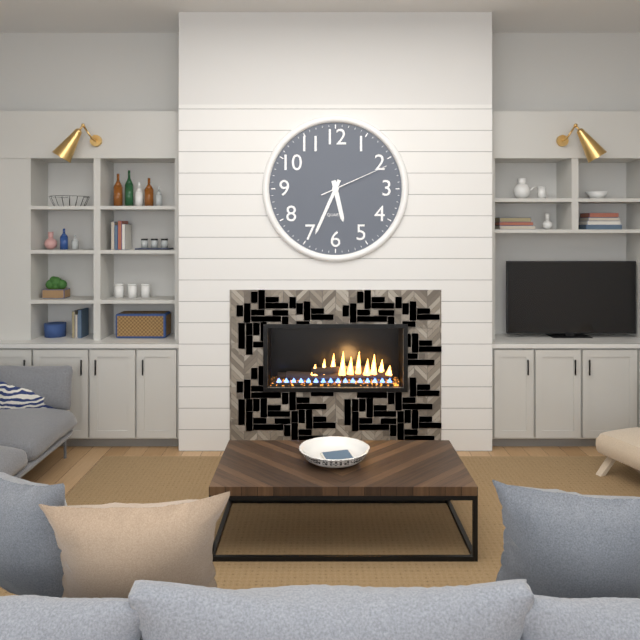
5:34:11
